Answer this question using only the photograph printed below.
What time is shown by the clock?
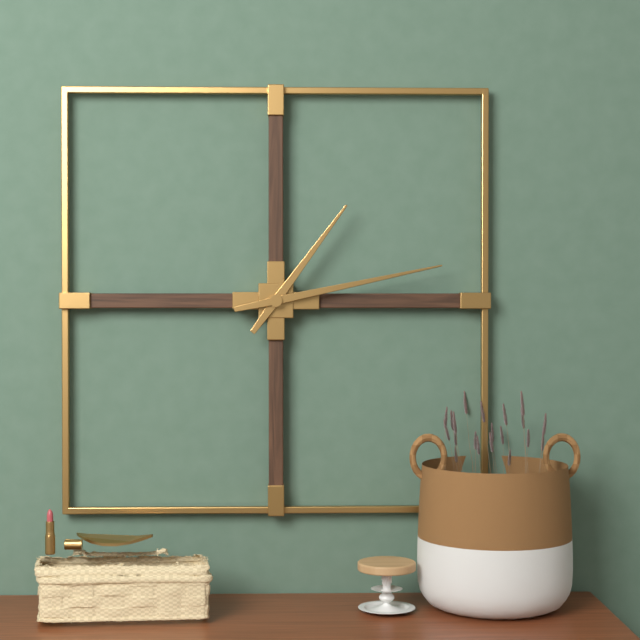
1:13
